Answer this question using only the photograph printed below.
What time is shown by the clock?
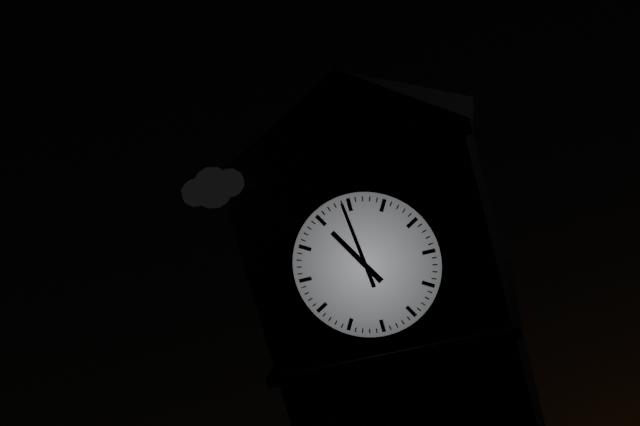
10:59
